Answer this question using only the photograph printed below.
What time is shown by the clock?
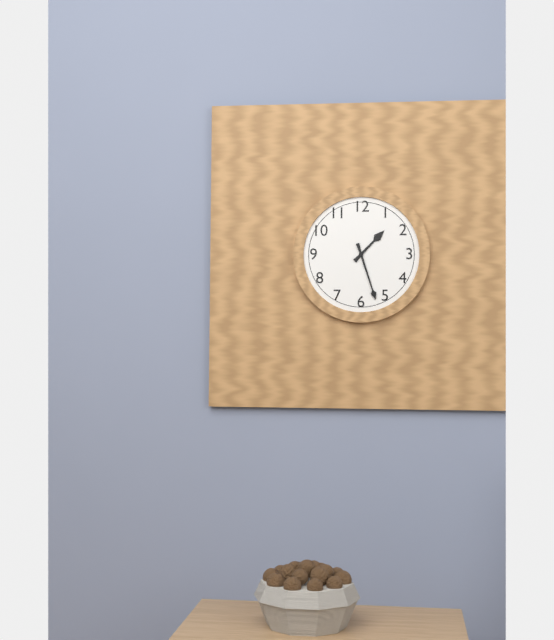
1:27
